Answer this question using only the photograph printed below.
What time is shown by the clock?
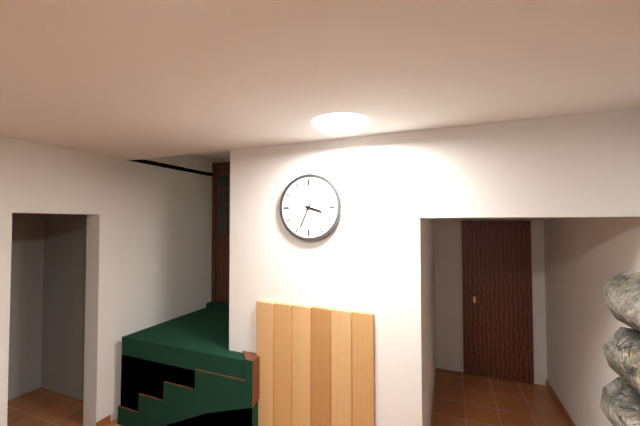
3:34
